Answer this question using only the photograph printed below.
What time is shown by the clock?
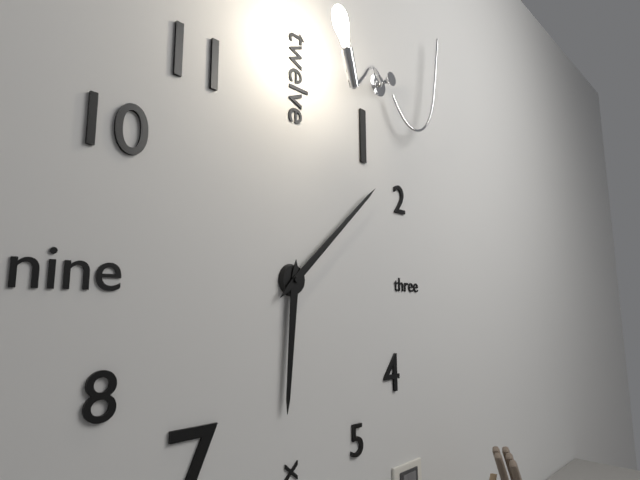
6:08
